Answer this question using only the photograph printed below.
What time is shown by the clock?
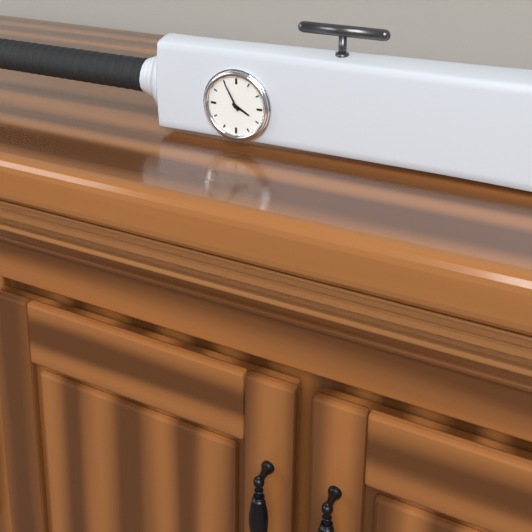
3:55
